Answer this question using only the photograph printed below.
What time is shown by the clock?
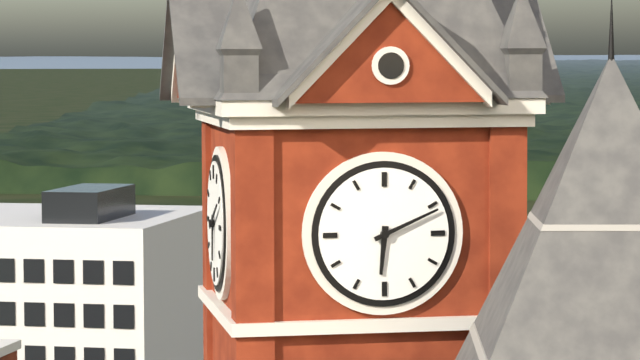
6:11
